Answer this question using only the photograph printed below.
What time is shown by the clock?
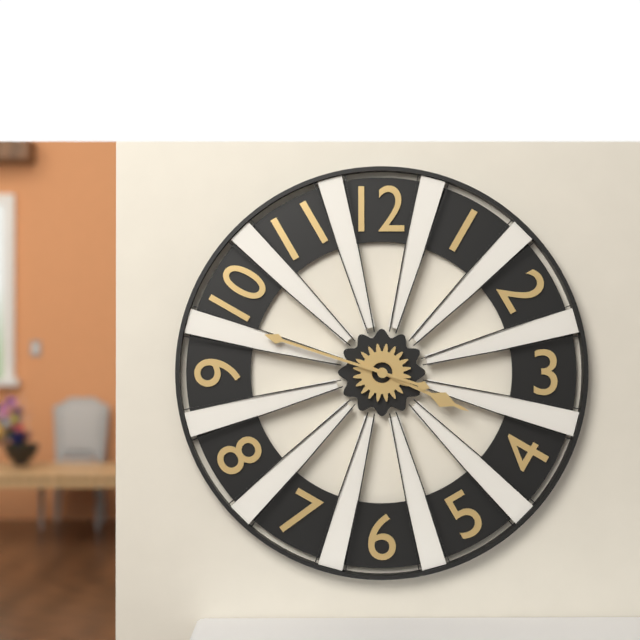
3:48
